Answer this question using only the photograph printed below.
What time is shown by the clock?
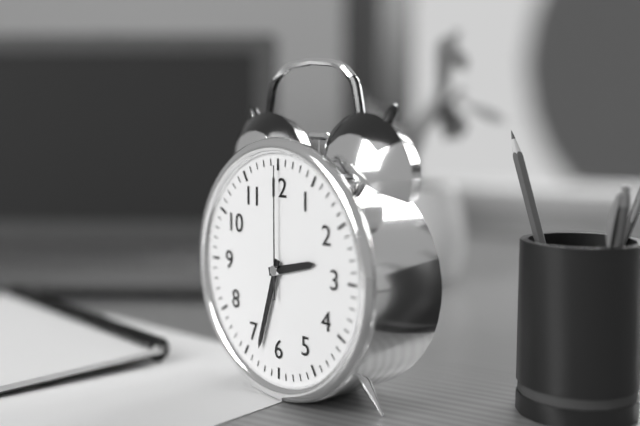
2:33:00
